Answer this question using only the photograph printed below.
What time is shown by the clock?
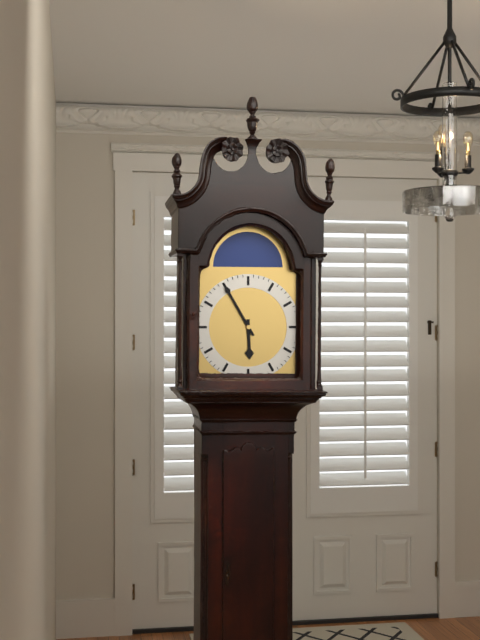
5:55
